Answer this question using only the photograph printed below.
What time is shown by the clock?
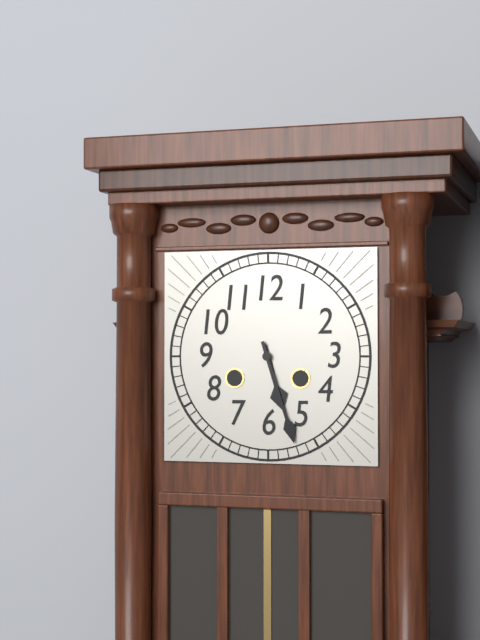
5:27
